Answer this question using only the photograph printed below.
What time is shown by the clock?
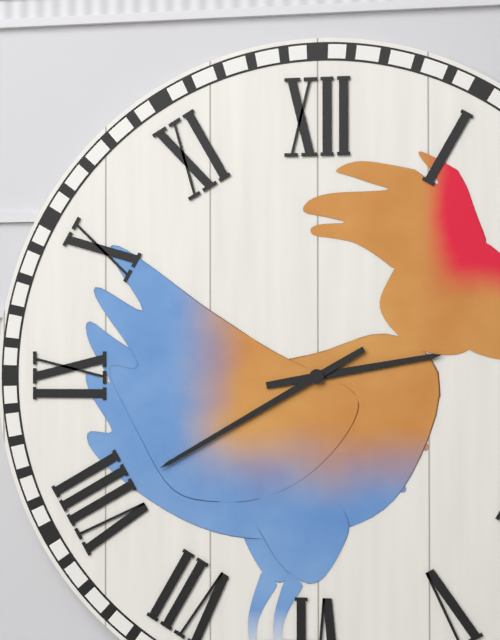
2:40
